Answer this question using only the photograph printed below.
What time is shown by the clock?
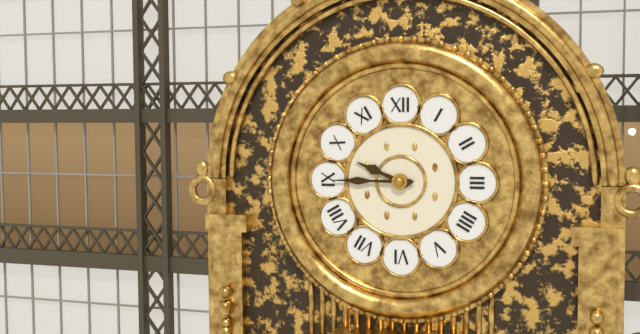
9:45
